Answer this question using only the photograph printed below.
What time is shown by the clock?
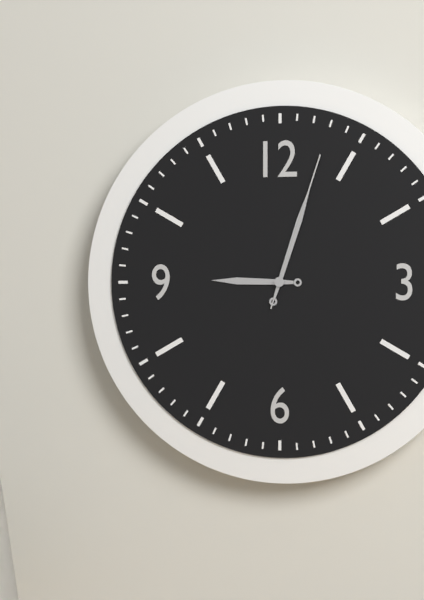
9:03:03
